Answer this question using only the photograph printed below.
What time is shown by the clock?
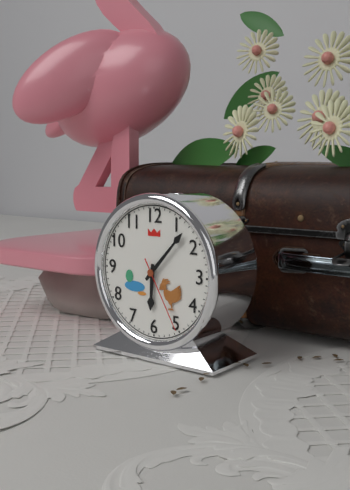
6:07:25
